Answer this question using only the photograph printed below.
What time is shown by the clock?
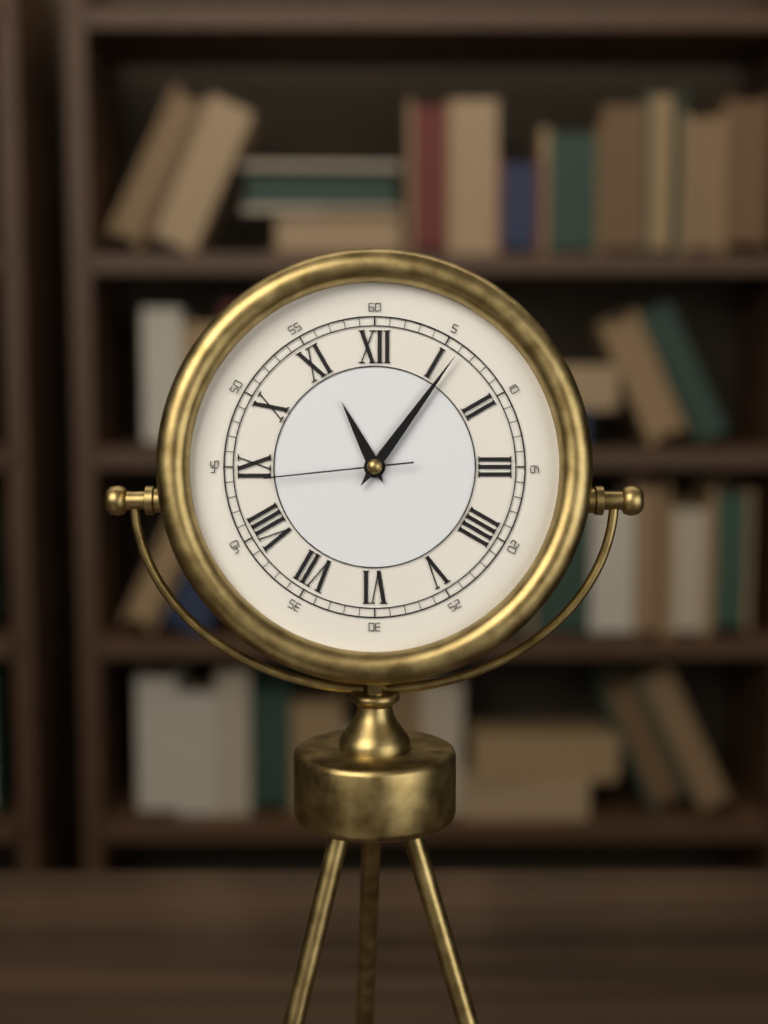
11:06:44
